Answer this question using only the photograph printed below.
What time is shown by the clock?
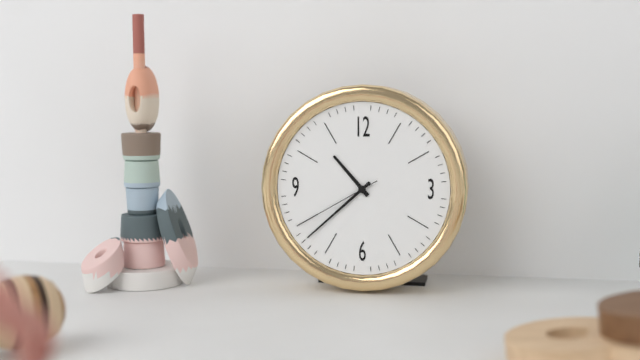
10:38:40
